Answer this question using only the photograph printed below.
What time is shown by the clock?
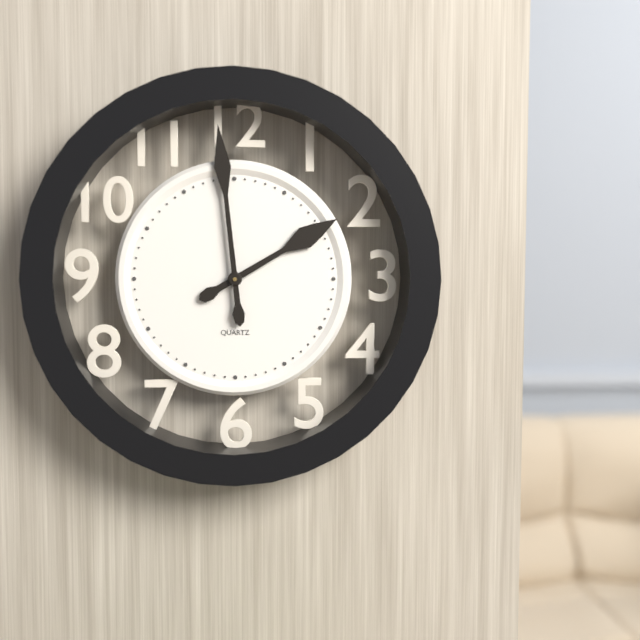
1:59
